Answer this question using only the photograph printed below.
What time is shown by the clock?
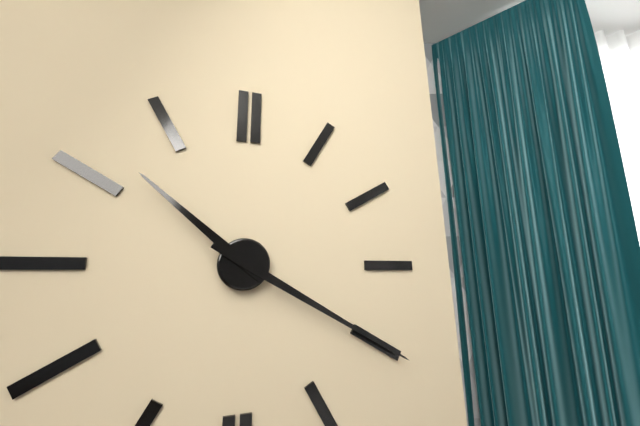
10:20
